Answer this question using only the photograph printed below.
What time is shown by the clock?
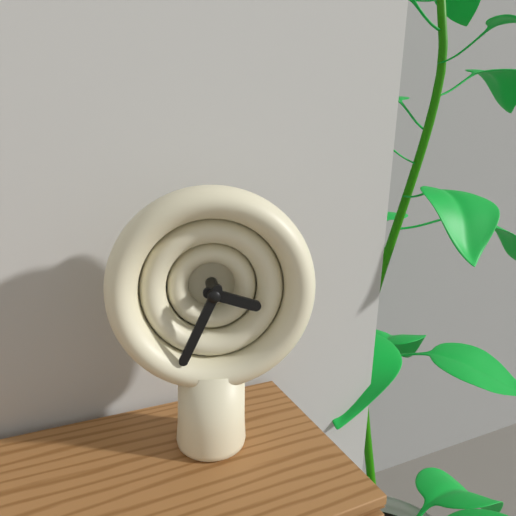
3:34
